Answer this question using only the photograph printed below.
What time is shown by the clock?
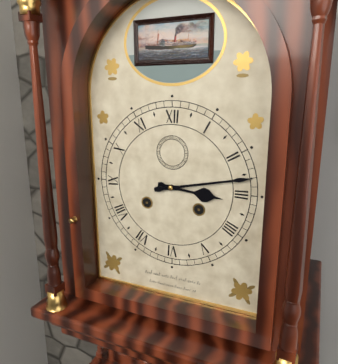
3:13
